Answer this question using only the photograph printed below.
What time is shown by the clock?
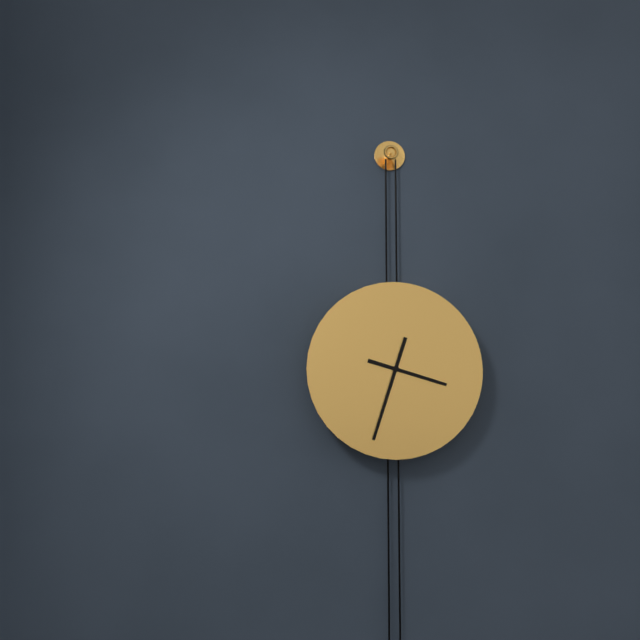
3:33
